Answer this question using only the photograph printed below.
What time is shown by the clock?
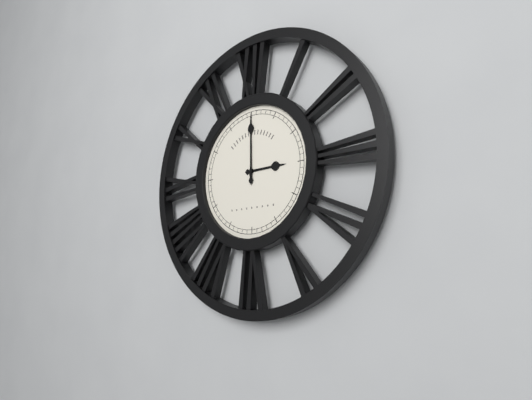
3:00
